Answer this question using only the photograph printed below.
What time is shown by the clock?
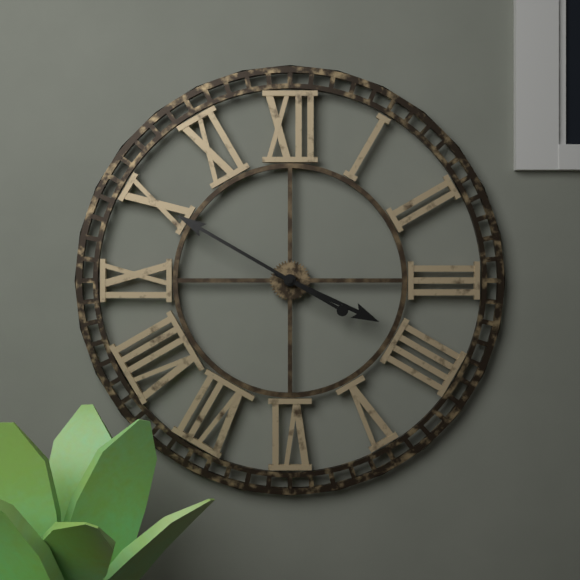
3:50
